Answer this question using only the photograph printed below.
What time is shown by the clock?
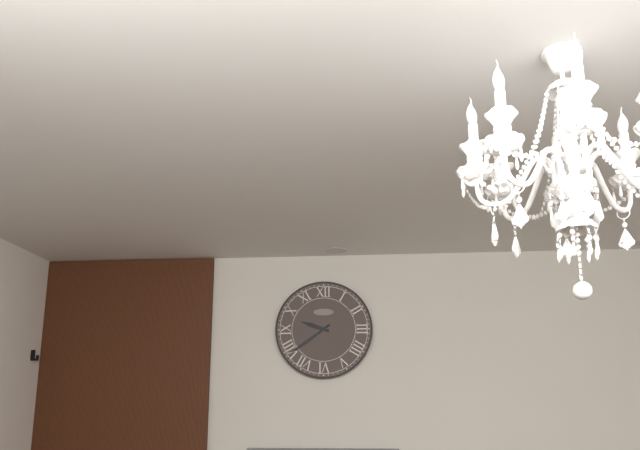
9:39
